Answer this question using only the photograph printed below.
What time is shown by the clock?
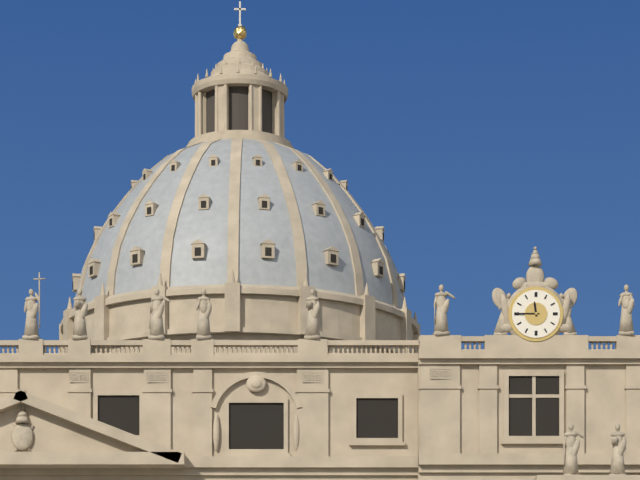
11:45
